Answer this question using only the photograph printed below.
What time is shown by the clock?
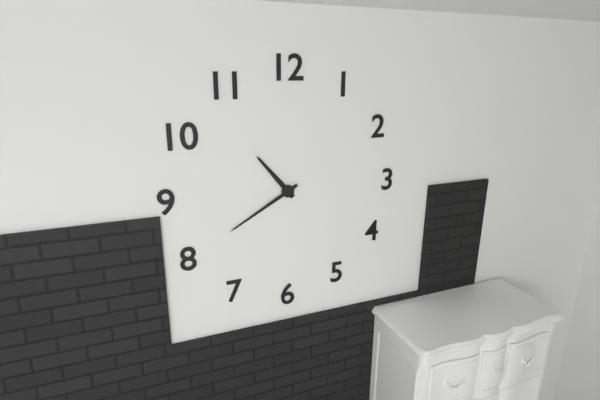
10:40
